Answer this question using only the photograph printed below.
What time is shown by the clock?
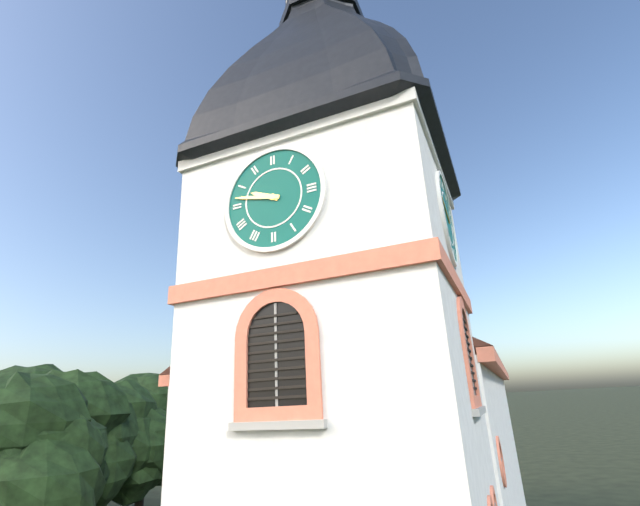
9:47
